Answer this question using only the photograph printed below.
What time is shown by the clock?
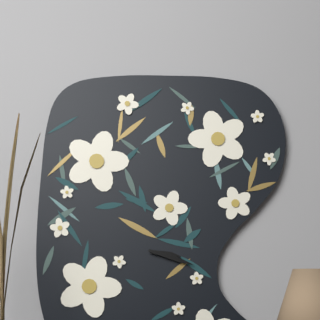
3:18
